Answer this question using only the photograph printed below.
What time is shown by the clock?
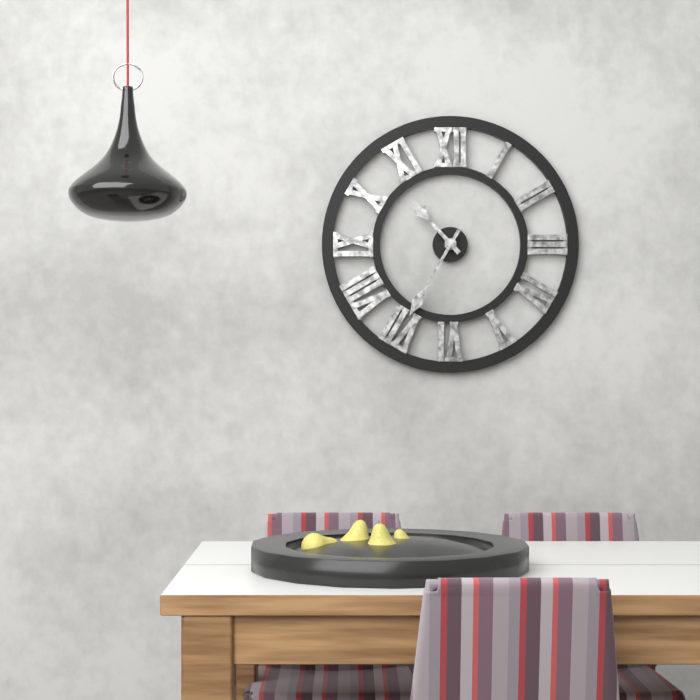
10:35
